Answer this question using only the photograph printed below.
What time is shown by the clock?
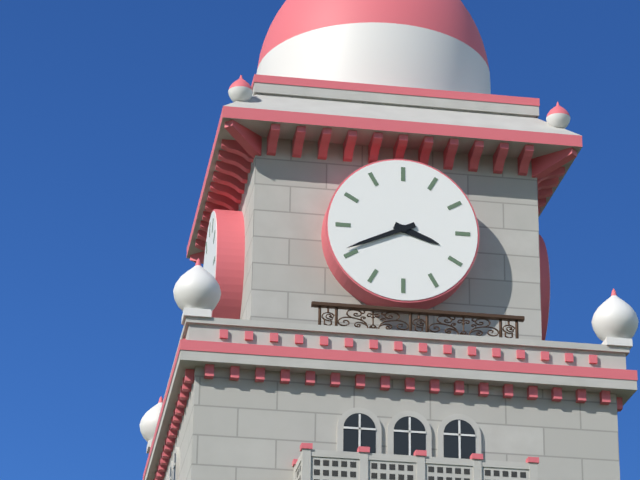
3:41
